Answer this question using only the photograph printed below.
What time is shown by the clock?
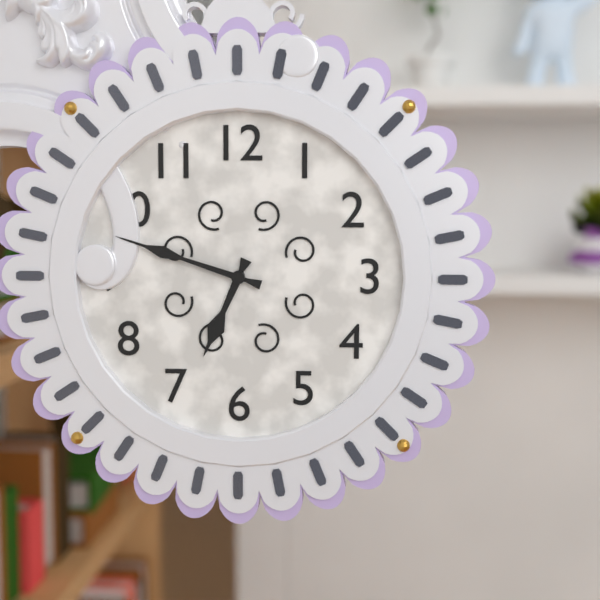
6:48
